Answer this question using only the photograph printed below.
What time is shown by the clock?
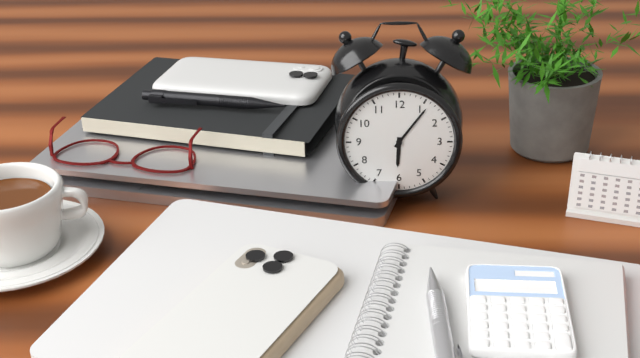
6:06
